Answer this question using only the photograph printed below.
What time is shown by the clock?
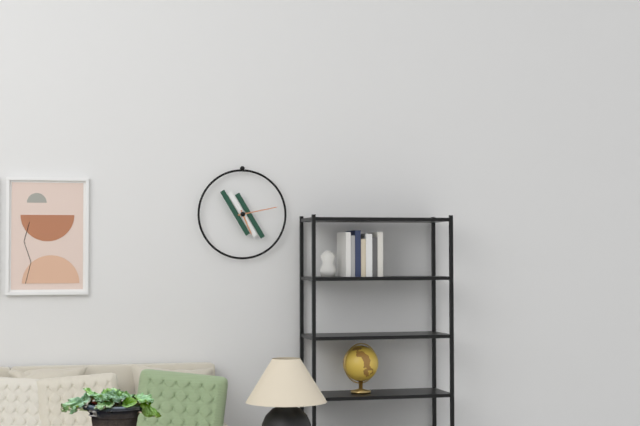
5:13
